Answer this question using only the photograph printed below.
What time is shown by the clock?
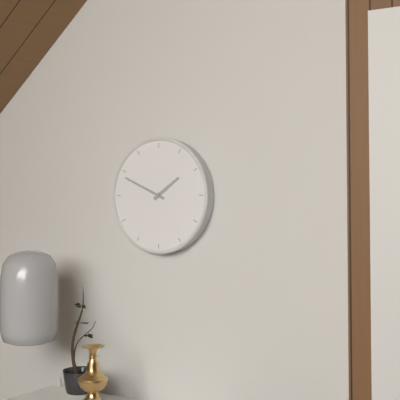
1:49
